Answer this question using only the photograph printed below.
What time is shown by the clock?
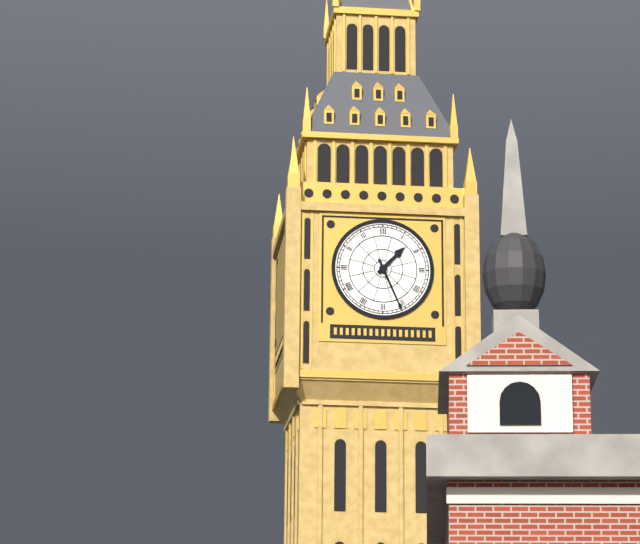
1:26
